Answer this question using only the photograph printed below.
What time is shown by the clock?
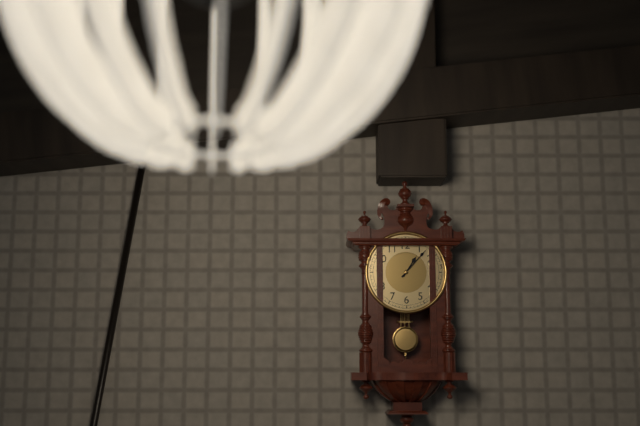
1:07
